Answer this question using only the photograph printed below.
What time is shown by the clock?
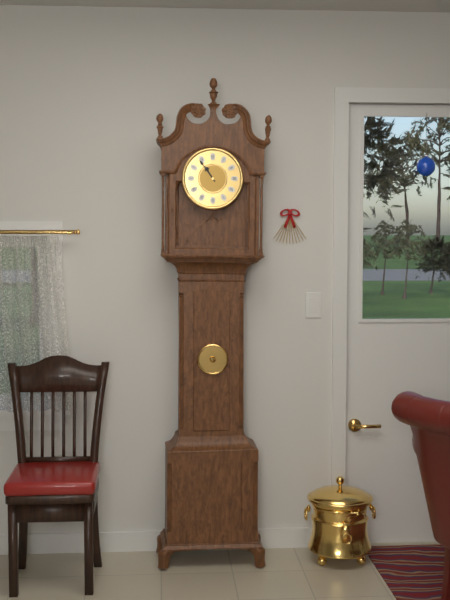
10:54
